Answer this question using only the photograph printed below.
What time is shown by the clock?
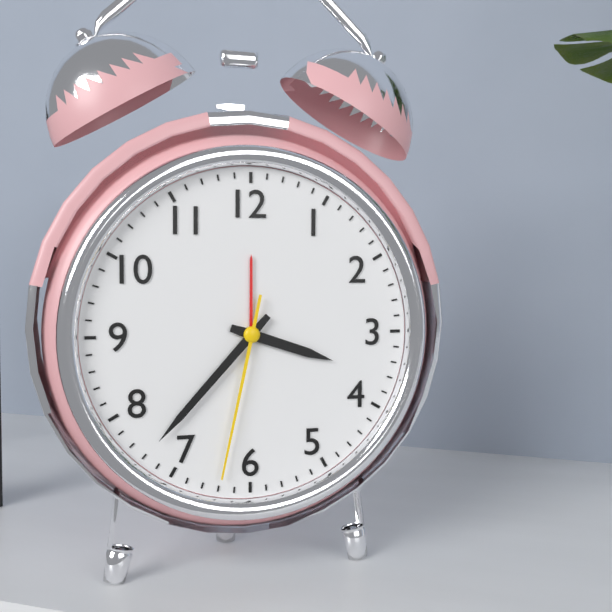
3:37:32
